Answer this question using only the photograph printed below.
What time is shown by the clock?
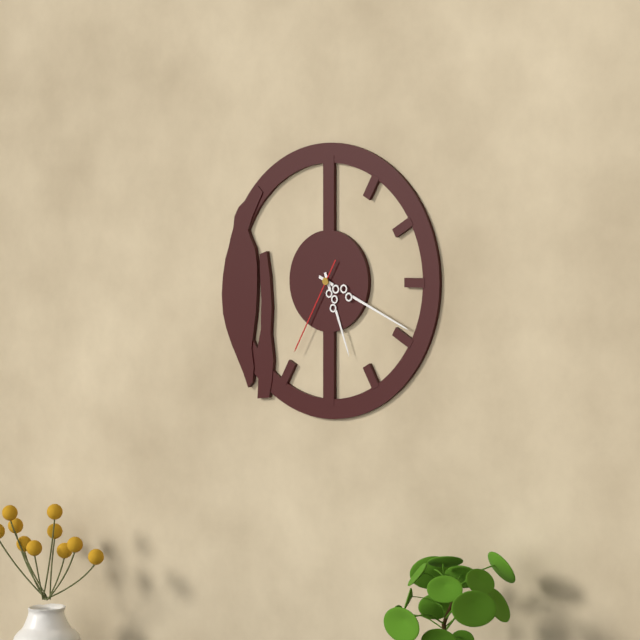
5:19:35
